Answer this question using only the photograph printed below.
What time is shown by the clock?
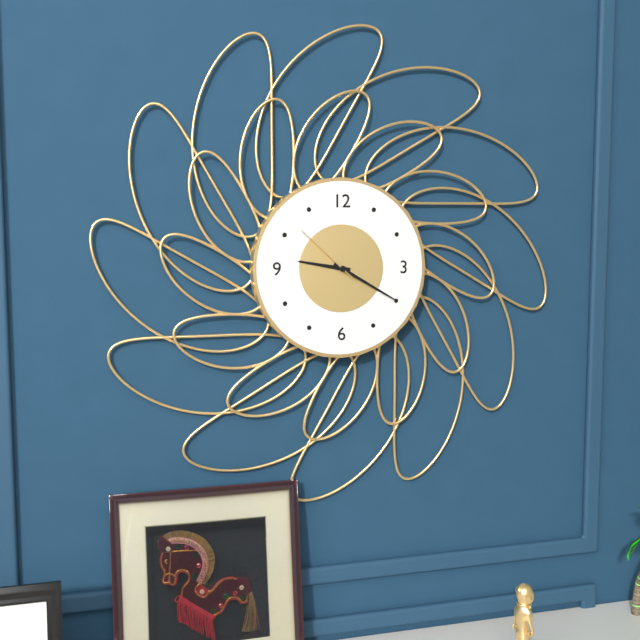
9:20:52
